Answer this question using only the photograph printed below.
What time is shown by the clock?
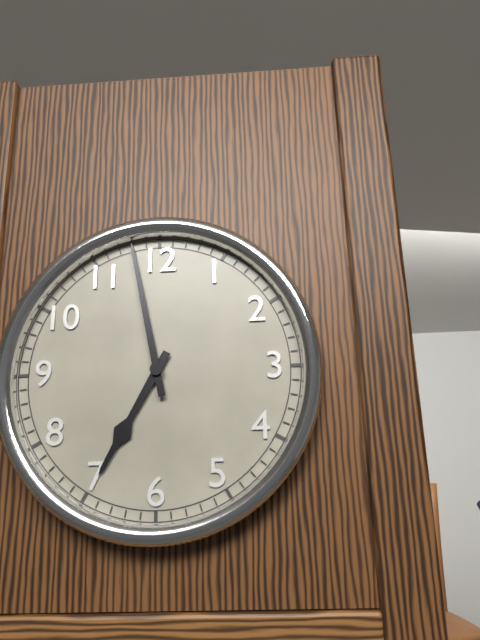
6:58
